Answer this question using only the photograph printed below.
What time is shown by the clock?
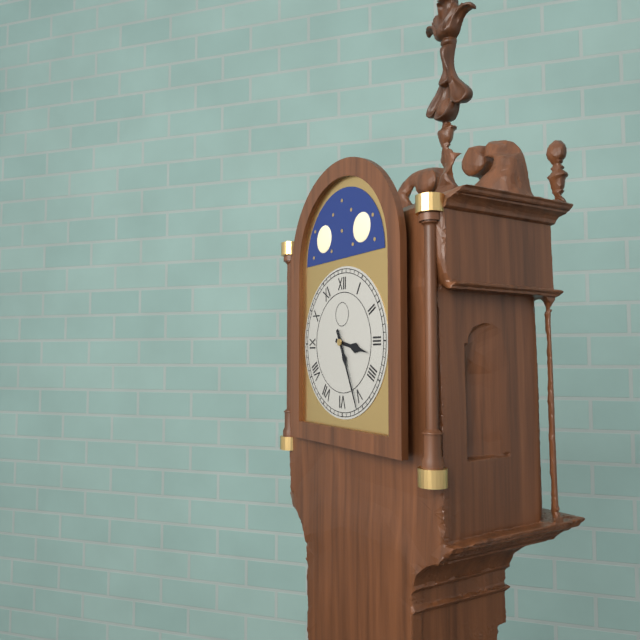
3:26
